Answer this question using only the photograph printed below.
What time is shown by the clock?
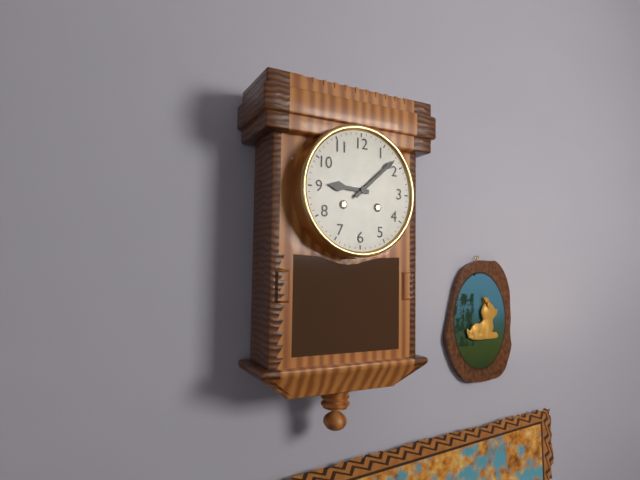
9:08
